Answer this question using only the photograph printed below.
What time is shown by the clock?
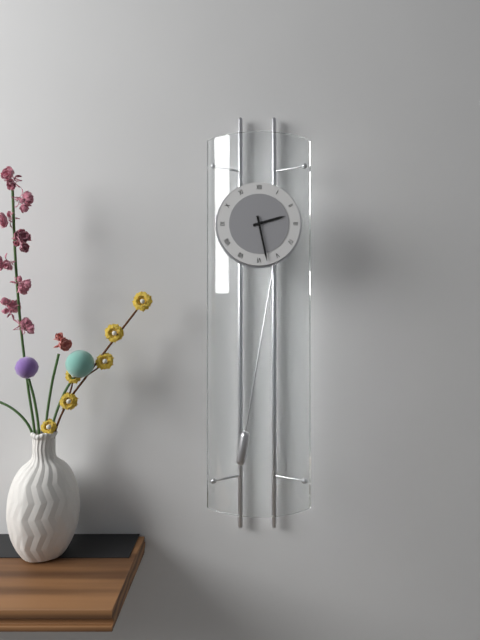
2:28
